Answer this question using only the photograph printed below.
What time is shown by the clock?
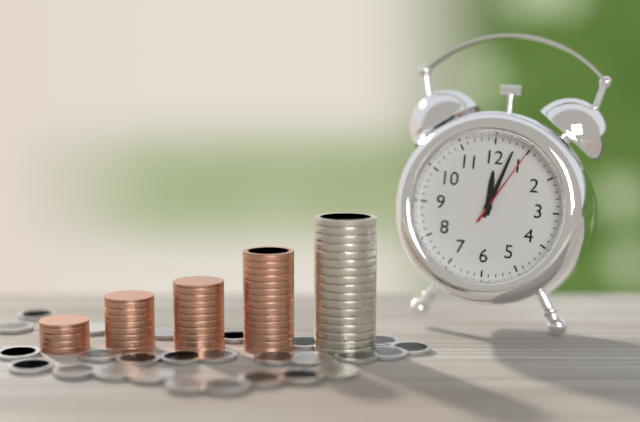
12:03:05
